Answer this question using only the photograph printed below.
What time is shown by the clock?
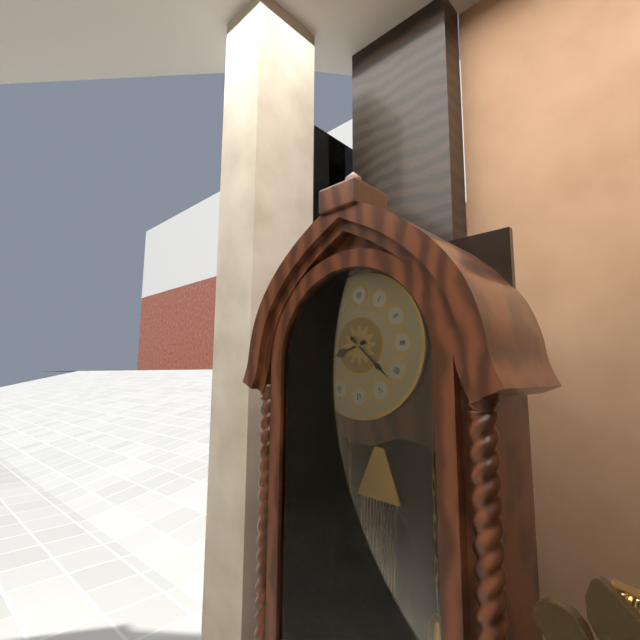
8:22
